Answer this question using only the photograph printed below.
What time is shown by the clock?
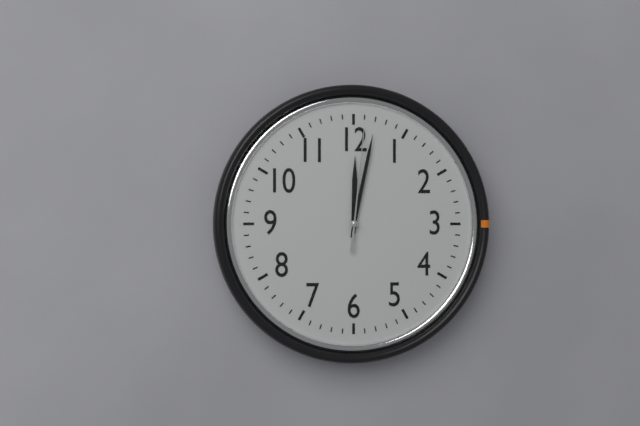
12:02:01
